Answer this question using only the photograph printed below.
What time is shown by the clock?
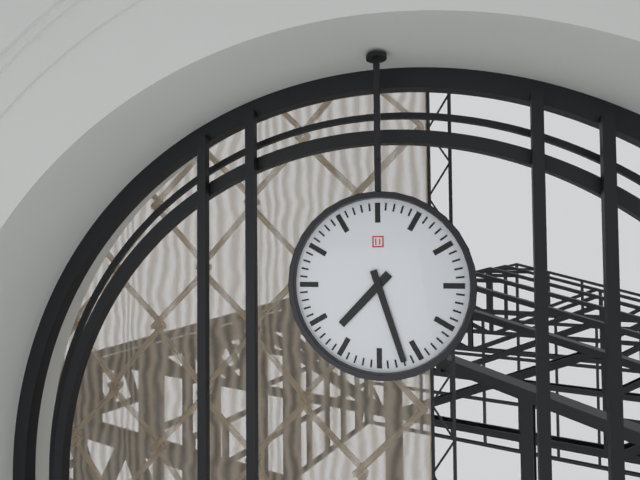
7:27
